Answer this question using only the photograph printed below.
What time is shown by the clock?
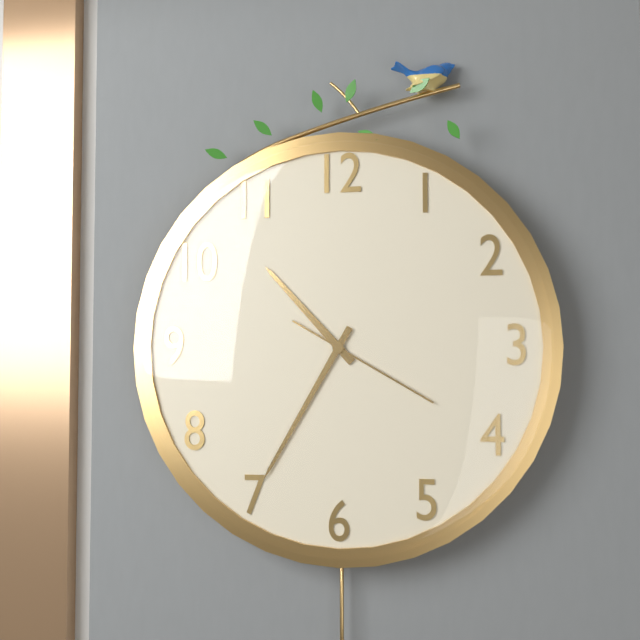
10:35:20
